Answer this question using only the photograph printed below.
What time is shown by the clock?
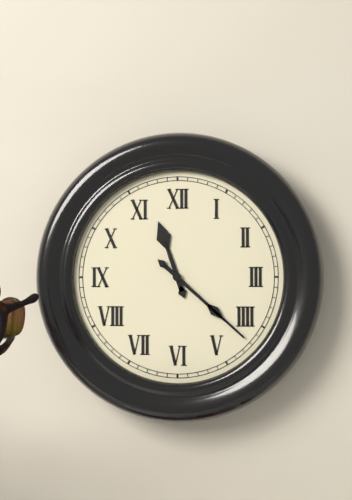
11:22
